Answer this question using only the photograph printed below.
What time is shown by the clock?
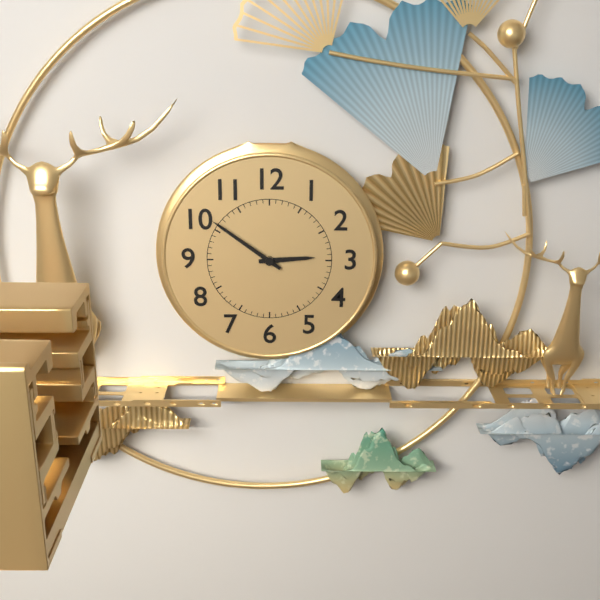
2:51
